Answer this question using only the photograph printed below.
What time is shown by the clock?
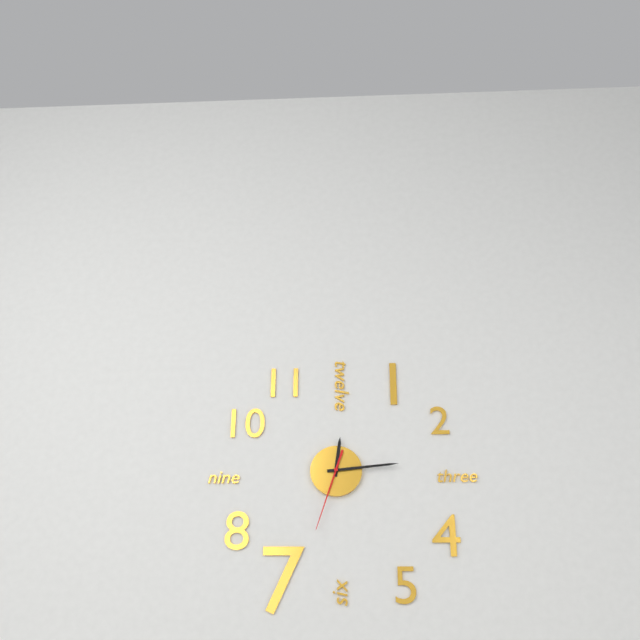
12:14:33
